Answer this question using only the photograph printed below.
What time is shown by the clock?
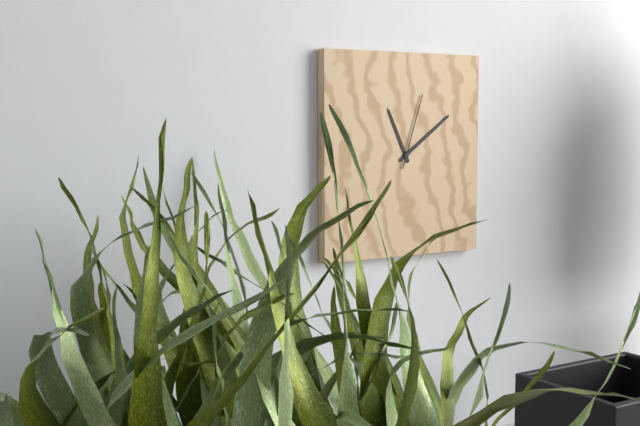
11:09:03
